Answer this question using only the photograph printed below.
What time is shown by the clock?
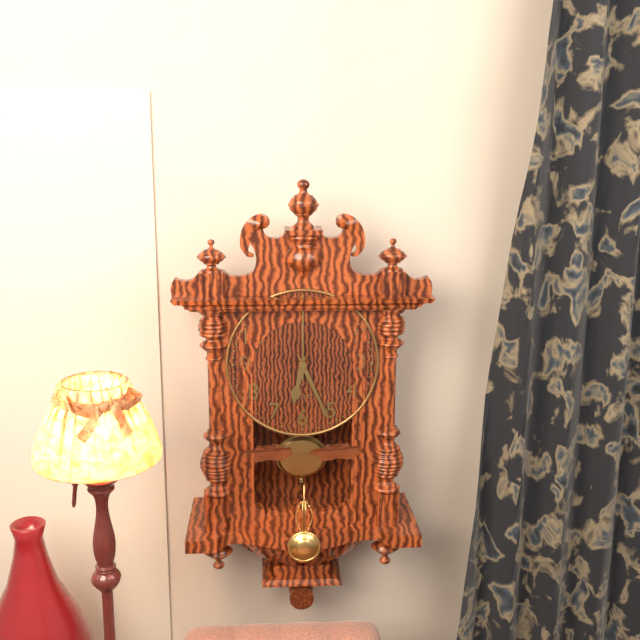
6:26:00
